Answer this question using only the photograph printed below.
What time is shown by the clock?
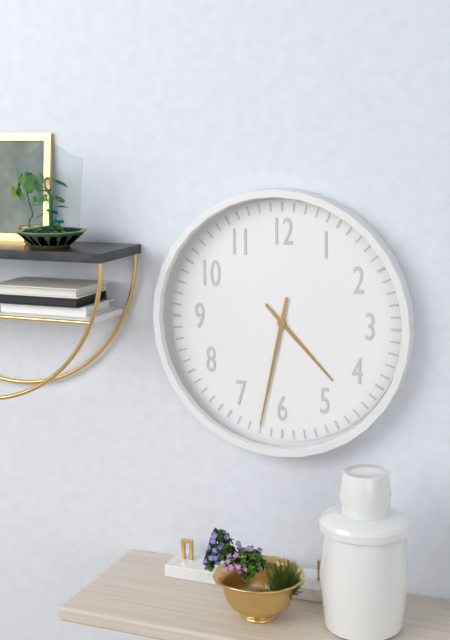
4:32
